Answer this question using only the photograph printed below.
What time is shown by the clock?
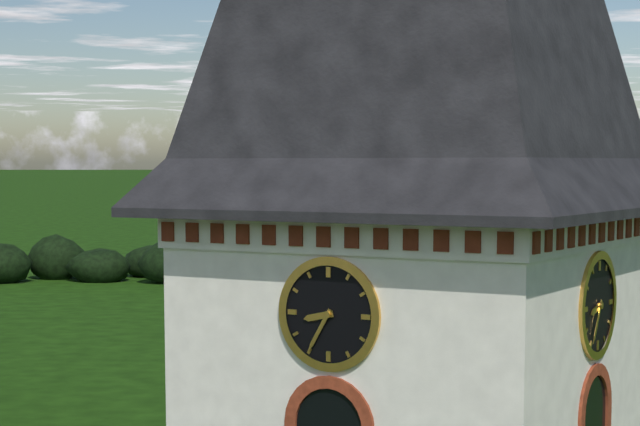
8:35
